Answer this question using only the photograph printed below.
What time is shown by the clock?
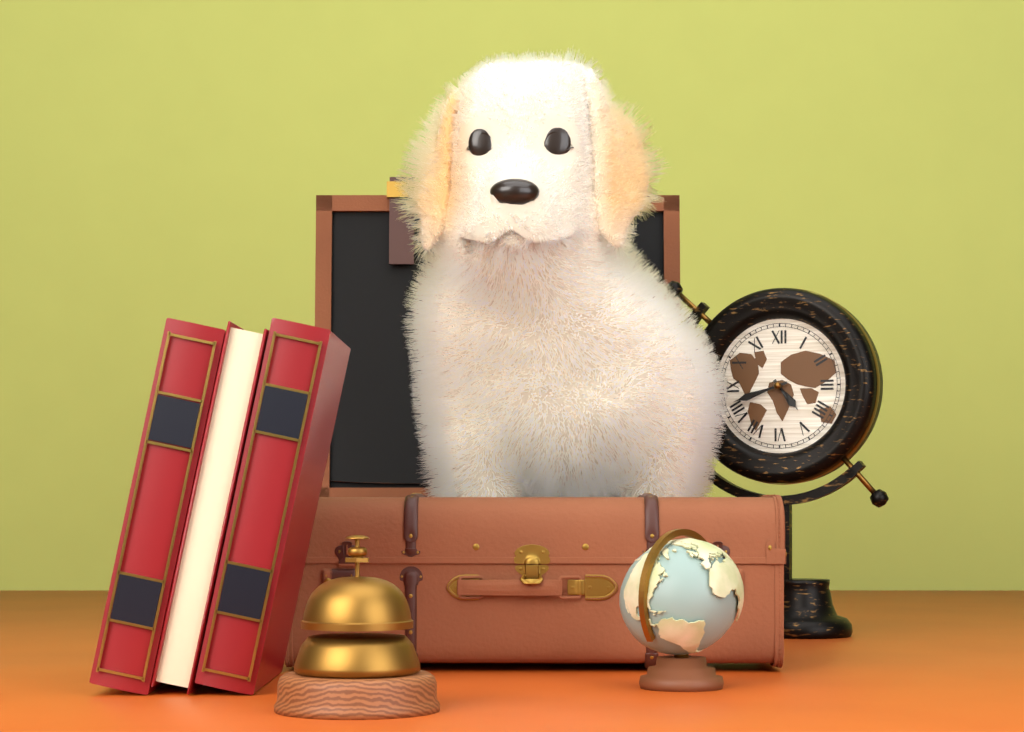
4:42
